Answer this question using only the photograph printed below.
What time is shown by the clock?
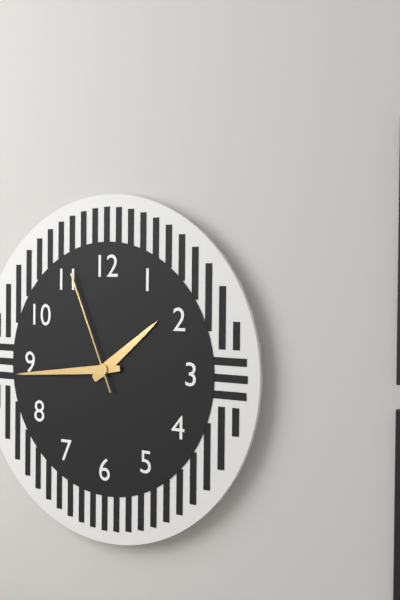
1:44:56
